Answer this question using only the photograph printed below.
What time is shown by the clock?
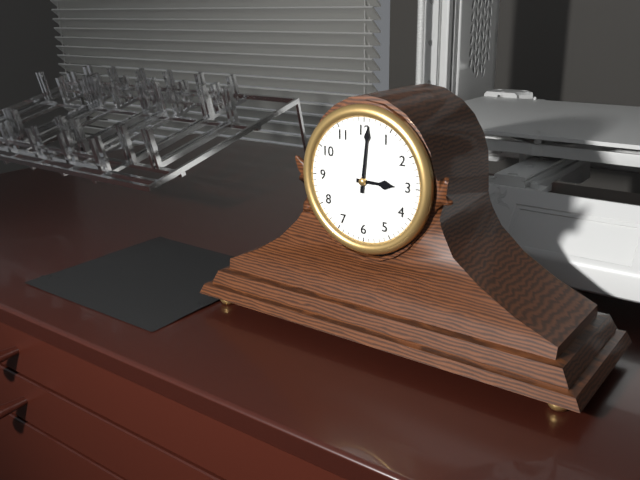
3:01
